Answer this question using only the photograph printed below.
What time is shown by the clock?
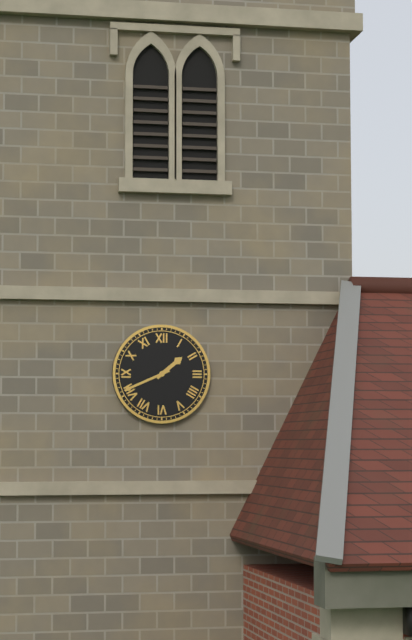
1:41
